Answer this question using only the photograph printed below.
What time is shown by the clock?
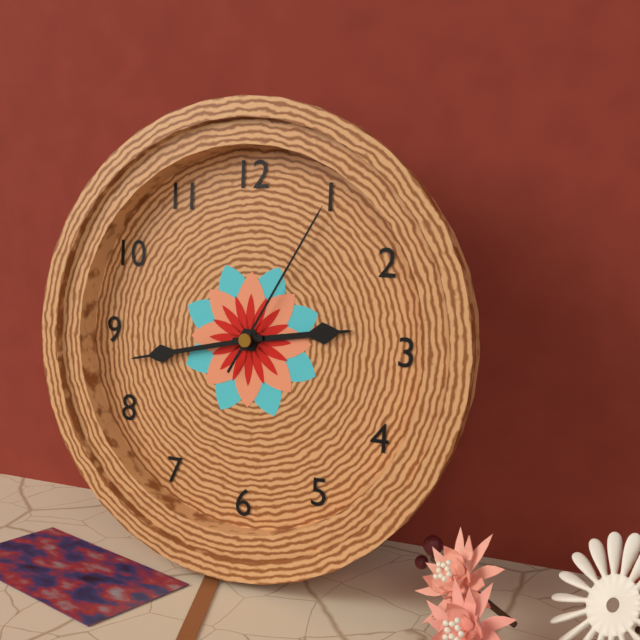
2:43:05
